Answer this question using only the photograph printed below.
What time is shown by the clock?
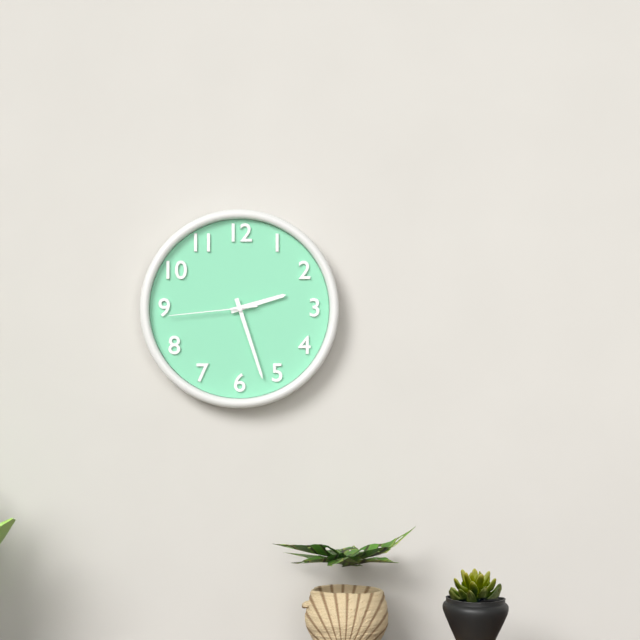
2:27:44
